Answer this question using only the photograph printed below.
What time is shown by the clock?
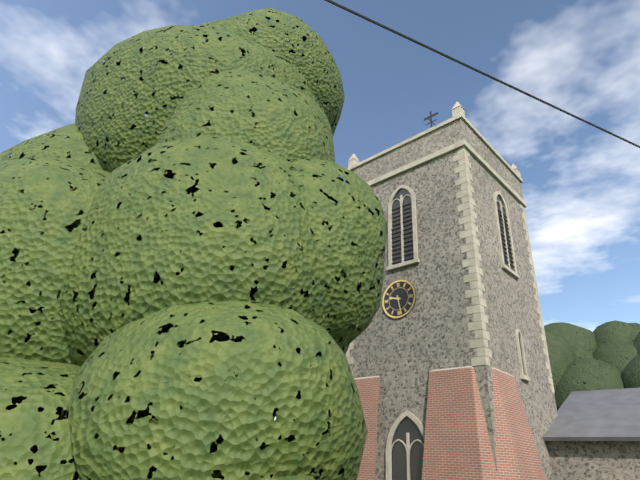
9:28
